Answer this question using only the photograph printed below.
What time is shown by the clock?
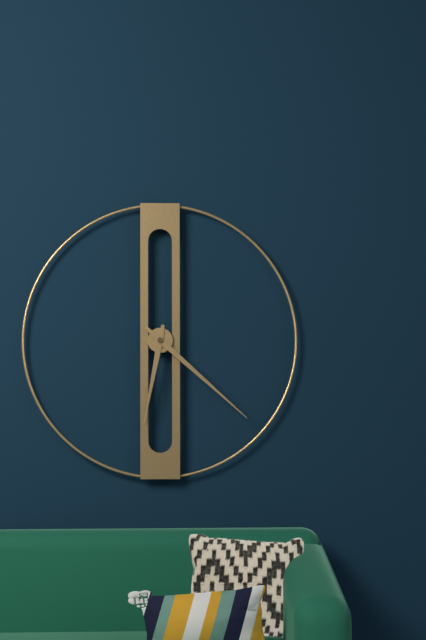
6:22
